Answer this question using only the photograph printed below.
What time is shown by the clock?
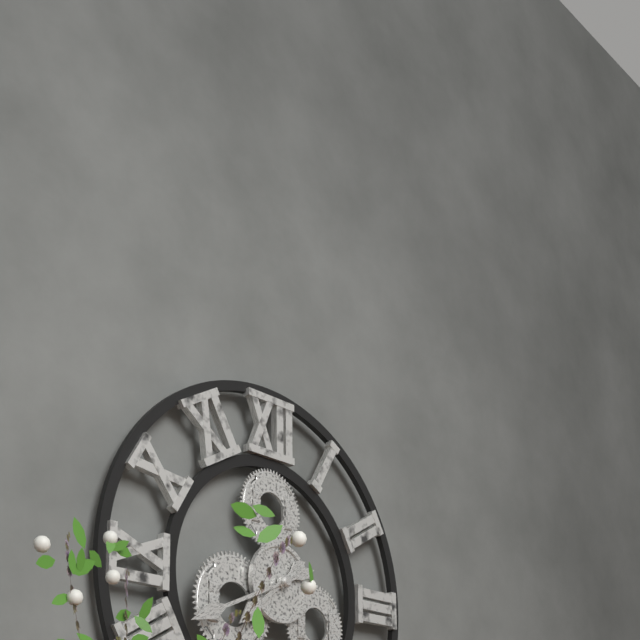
7:41
